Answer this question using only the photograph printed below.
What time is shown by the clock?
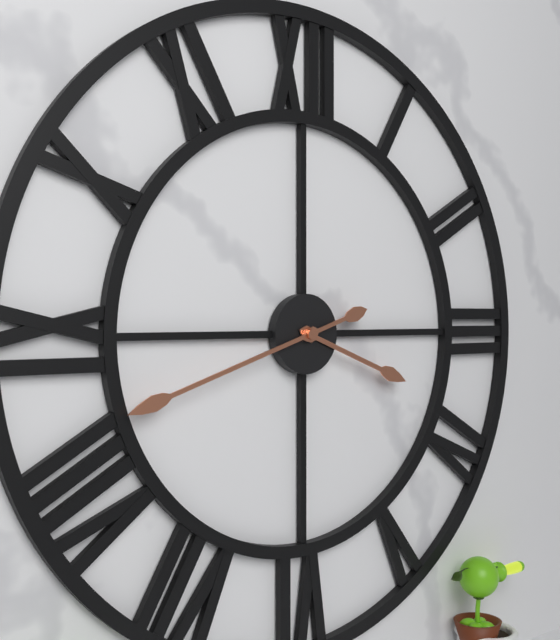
3:42
